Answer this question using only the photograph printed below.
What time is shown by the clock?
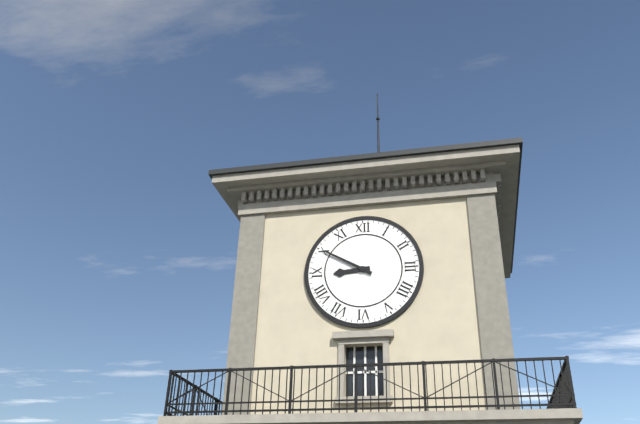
8:50
